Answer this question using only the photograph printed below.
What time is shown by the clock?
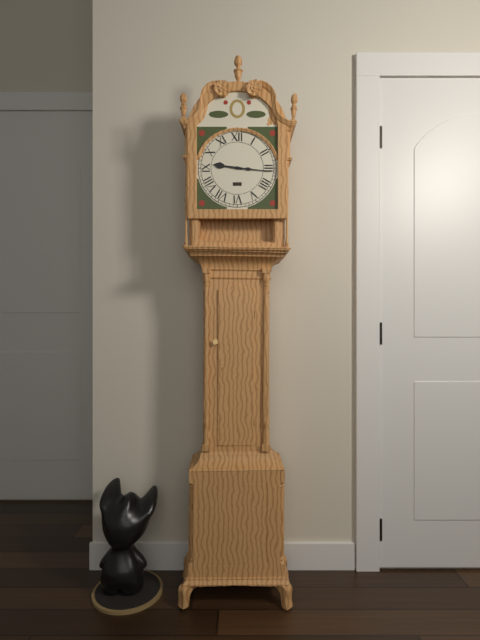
9:16
